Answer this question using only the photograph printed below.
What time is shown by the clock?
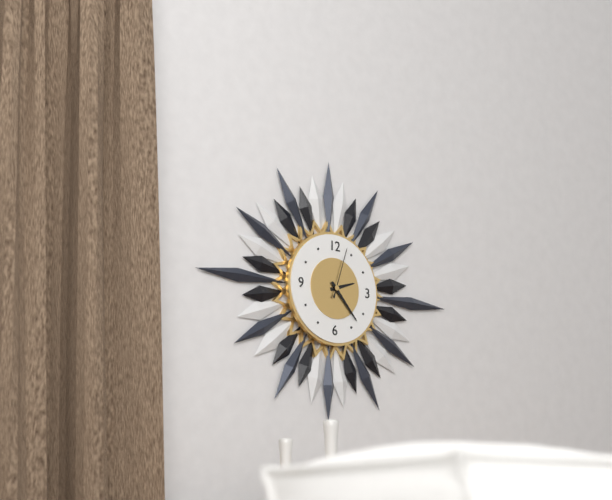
2:23:03
